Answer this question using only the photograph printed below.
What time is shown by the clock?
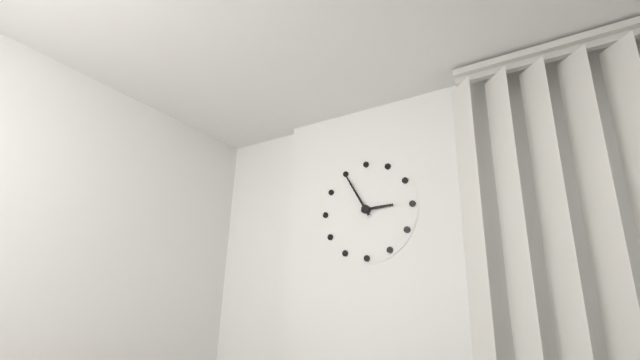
2:55
